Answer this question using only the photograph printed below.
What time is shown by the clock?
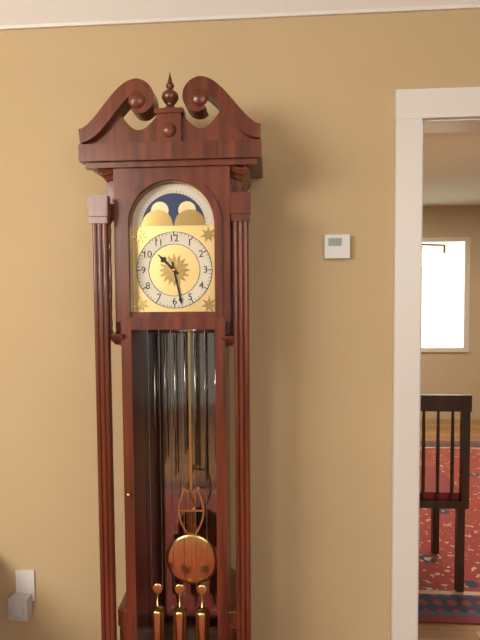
10:28
